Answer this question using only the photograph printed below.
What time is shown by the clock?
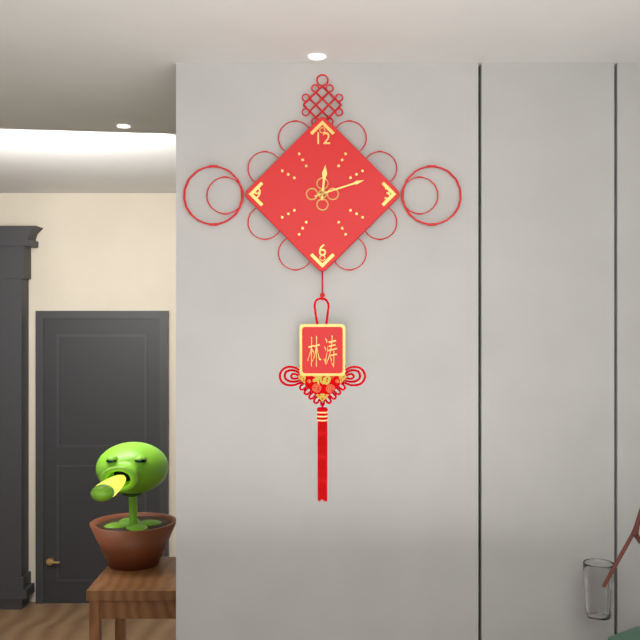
12:12
